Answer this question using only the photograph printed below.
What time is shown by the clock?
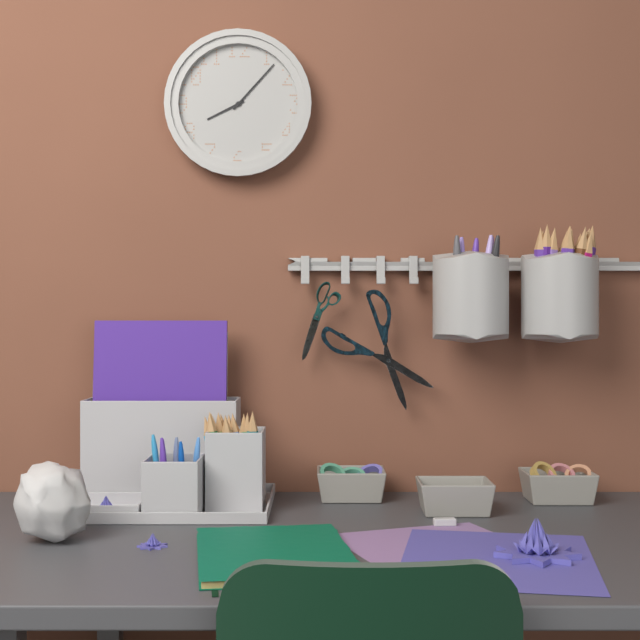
8:07
